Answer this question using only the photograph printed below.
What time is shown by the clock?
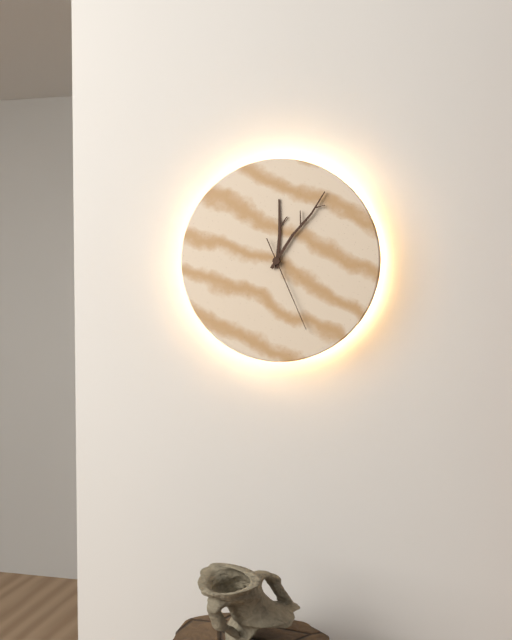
12:06:26
